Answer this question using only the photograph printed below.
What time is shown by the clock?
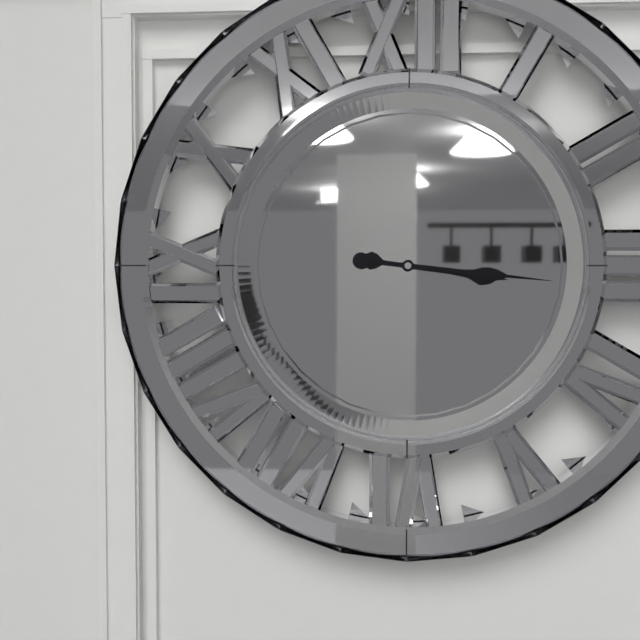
3:16
